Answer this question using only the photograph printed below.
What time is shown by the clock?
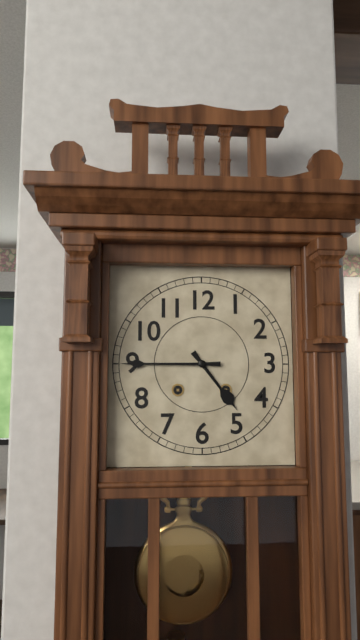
4:45
